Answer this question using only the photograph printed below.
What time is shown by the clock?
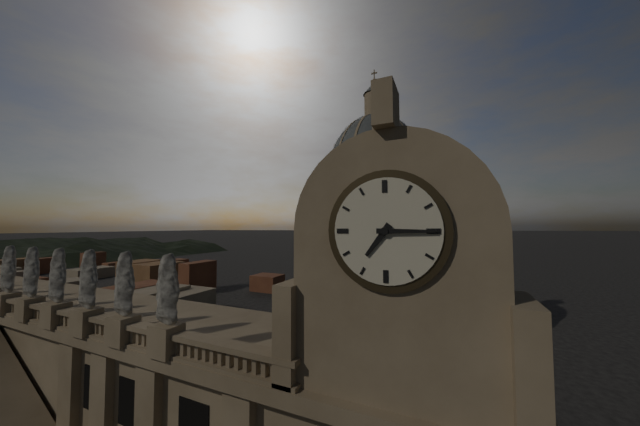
7:15
